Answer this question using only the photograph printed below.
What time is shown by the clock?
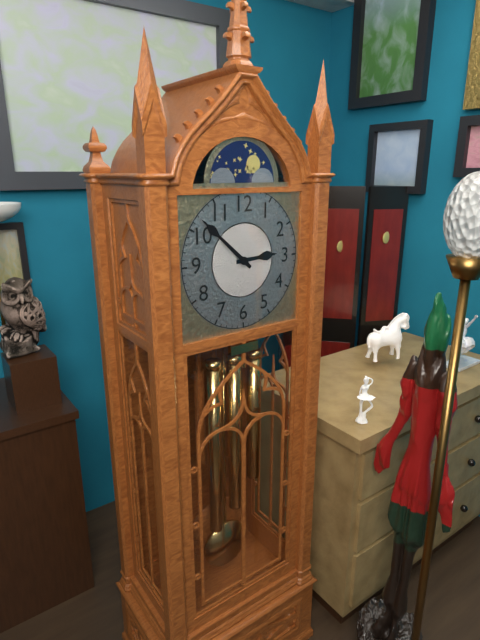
2:52
